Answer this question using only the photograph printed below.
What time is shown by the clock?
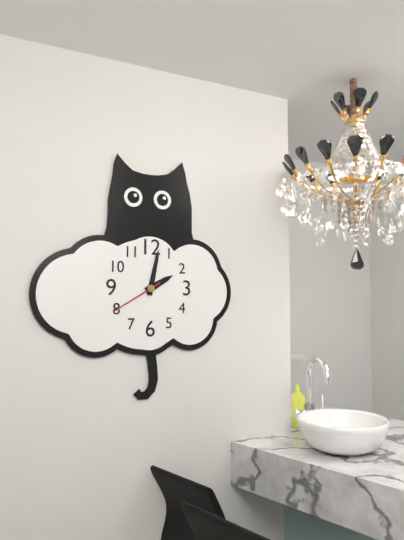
2:02:40
